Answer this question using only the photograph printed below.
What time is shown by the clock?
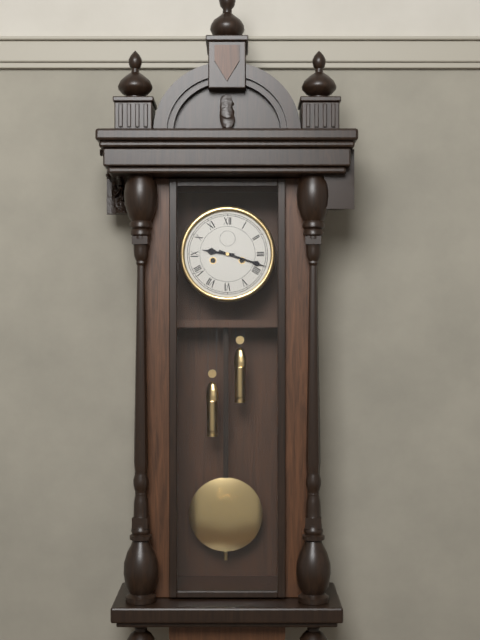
9:18
